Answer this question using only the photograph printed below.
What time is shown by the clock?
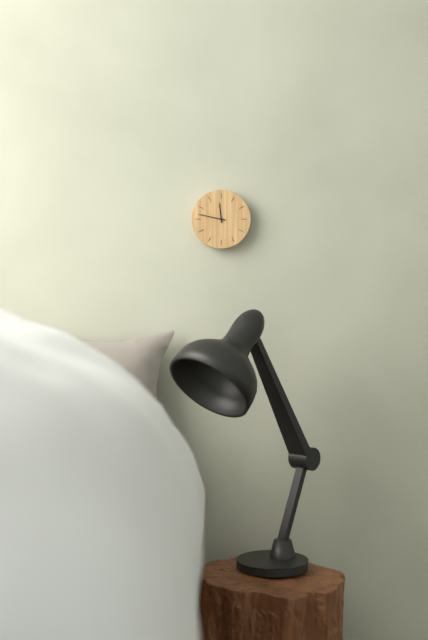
11:47
